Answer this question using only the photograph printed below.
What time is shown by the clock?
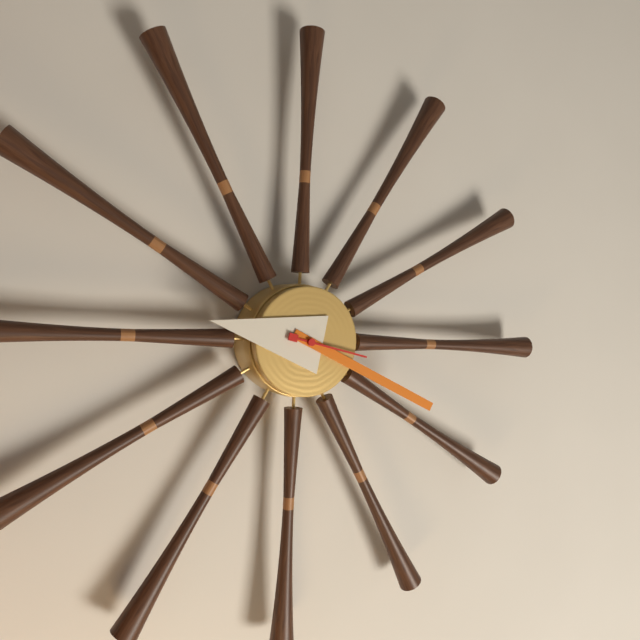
9:19:17
